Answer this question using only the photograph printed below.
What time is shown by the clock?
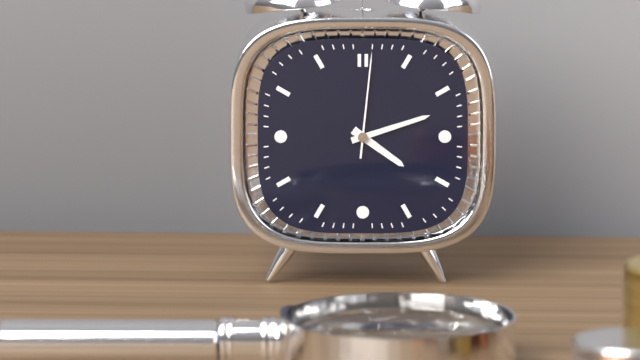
4:12:01
